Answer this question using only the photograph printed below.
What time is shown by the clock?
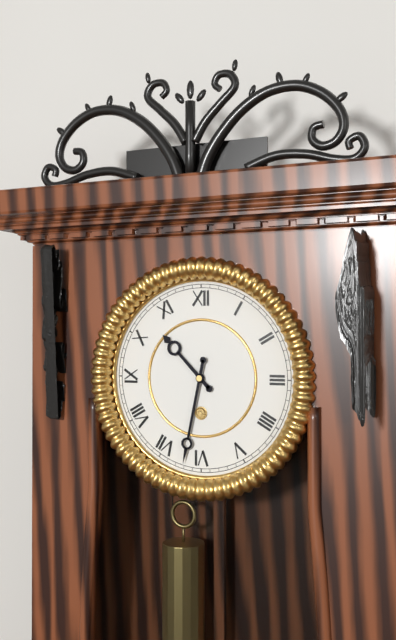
10:32
